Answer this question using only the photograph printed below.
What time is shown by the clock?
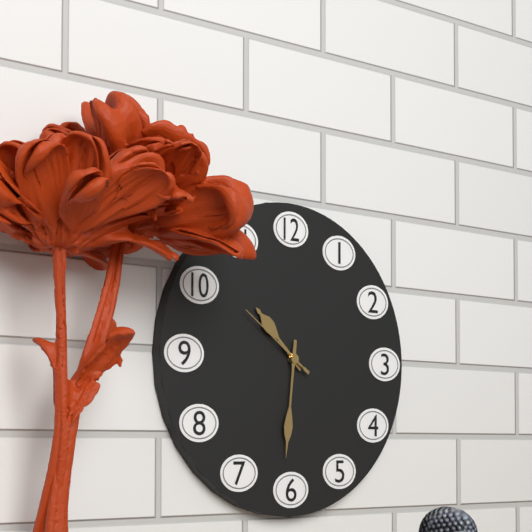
10:31:51
